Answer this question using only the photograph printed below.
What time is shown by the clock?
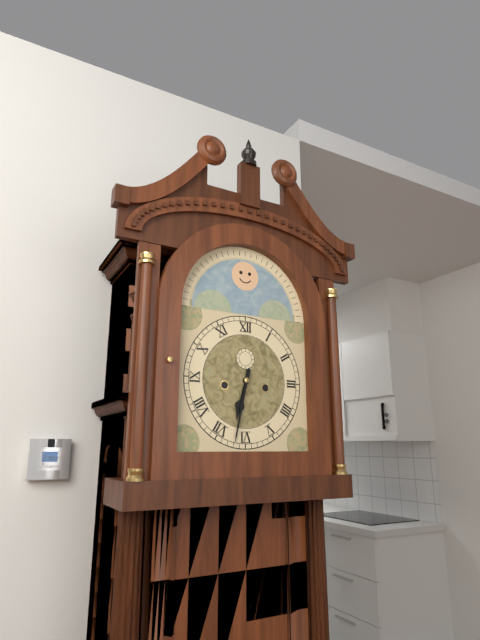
6:32
